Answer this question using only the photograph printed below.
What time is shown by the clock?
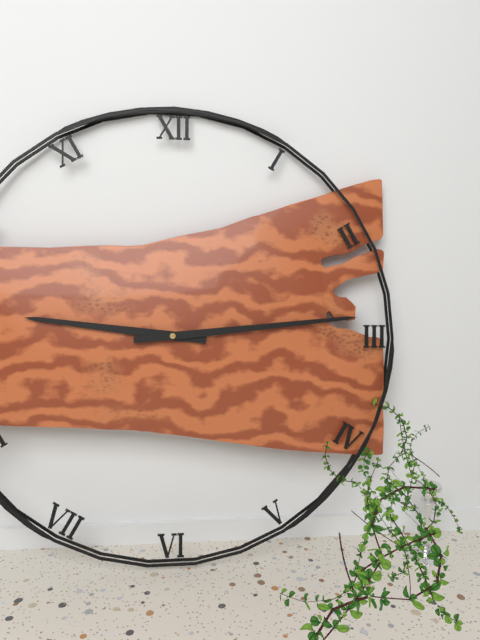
9:14
